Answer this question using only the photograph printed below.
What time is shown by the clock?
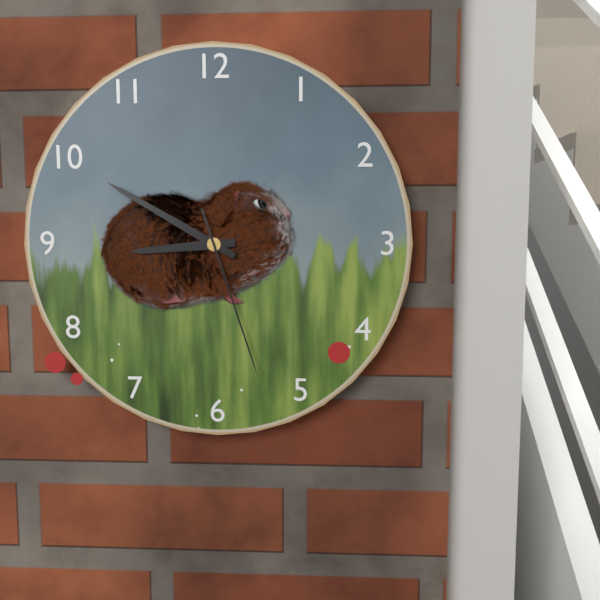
8:50:27
